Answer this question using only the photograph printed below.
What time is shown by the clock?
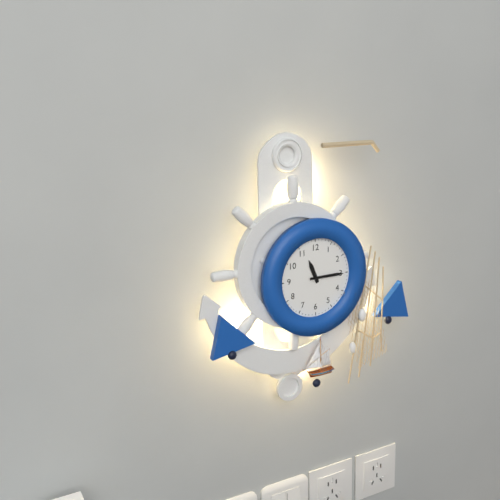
11:15
